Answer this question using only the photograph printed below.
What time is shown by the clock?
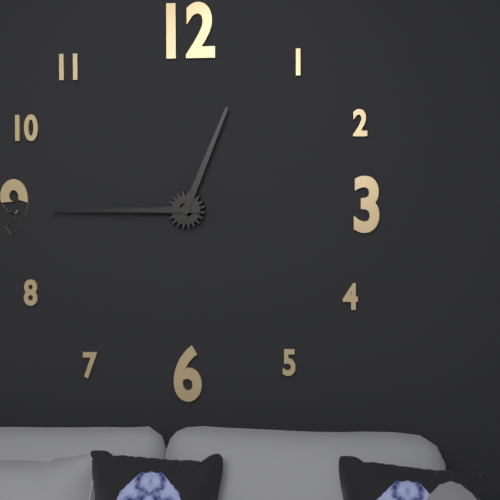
12:45
